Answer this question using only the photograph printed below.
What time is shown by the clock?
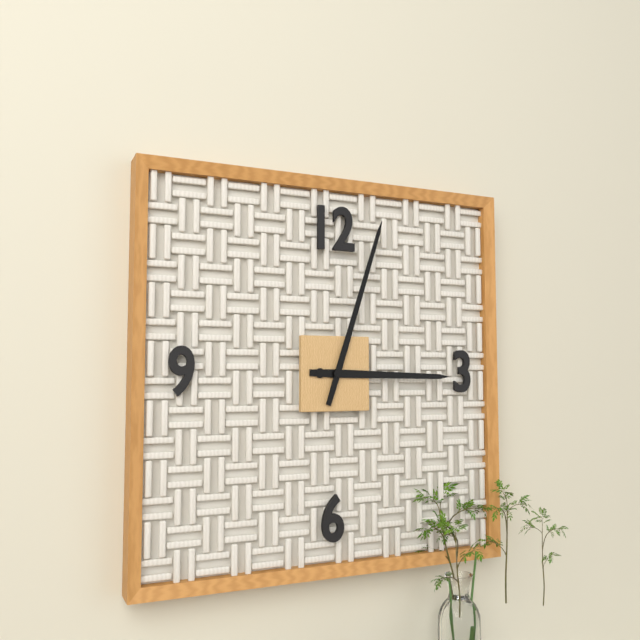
3:03
